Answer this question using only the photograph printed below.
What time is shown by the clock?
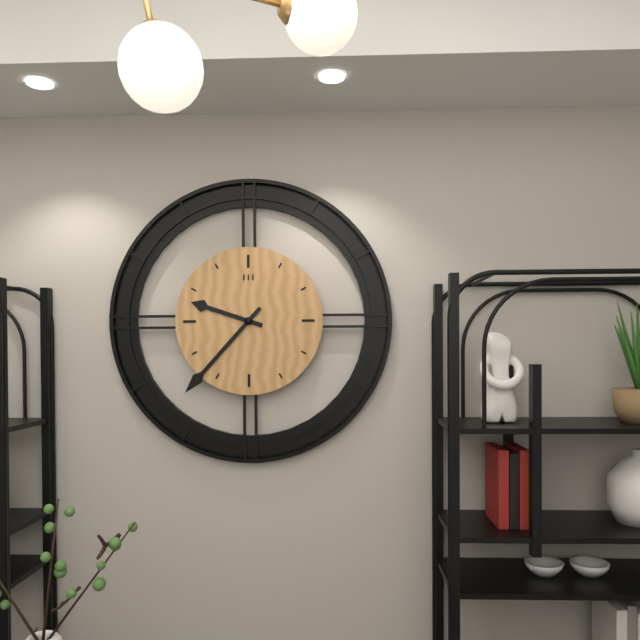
9:37
